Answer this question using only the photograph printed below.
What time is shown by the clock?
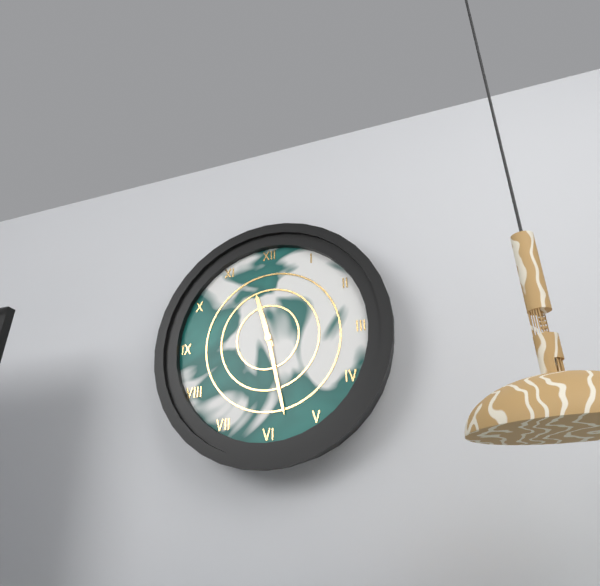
11:28
